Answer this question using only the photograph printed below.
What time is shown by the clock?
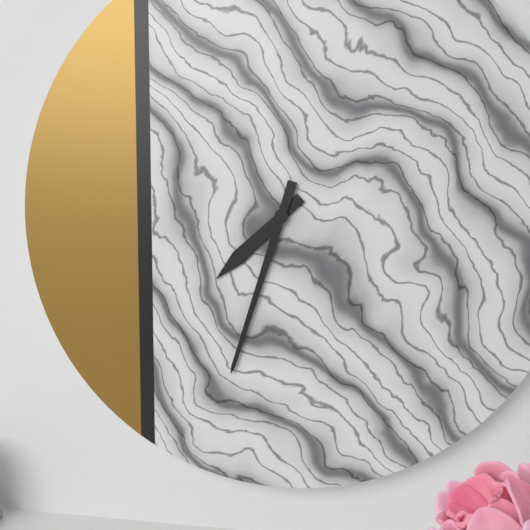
7:33
